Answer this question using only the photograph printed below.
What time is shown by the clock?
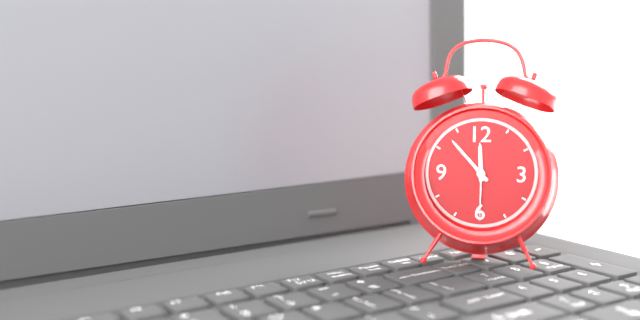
11:53:30
